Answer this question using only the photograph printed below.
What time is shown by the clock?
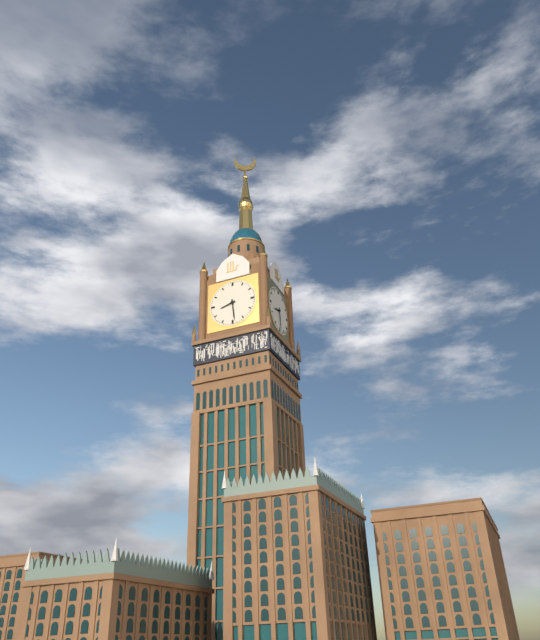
8:29
